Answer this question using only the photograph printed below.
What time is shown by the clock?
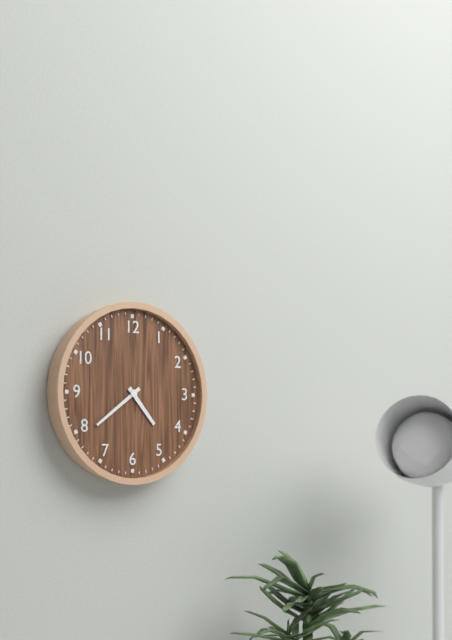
4:39
